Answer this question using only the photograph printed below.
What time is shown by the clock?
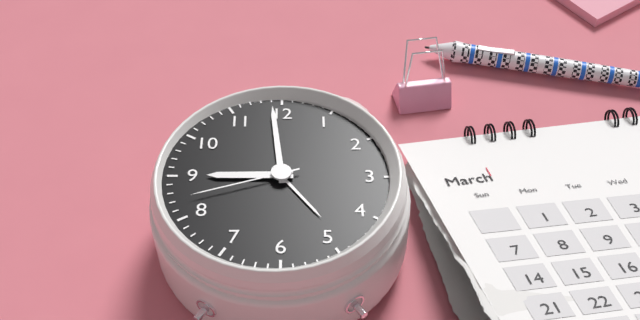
8:59:42
